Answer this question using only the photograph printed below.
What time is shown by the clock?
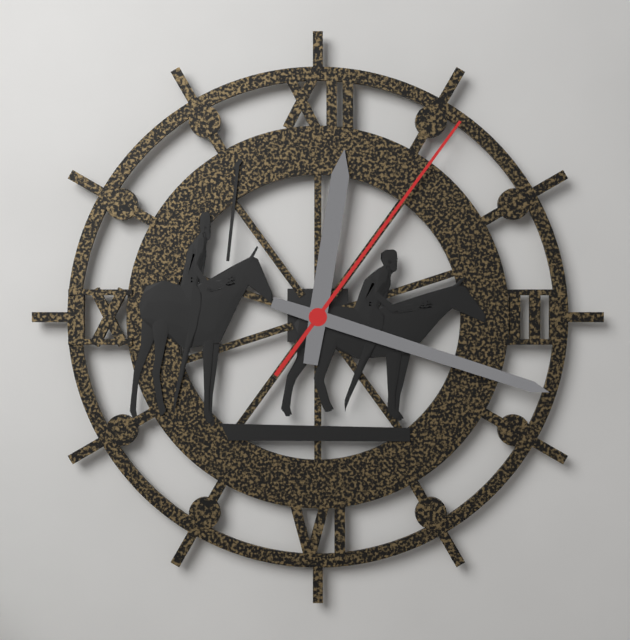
12:18:06
